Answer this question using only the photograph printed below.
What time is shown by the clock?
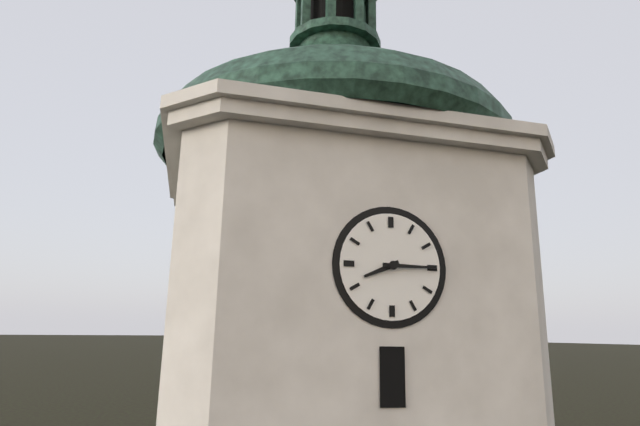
8:15
